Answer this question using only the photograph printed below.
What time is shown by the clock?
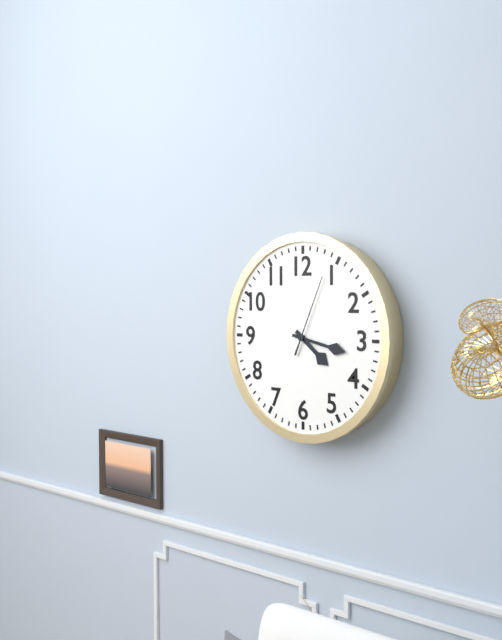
4:17:04
